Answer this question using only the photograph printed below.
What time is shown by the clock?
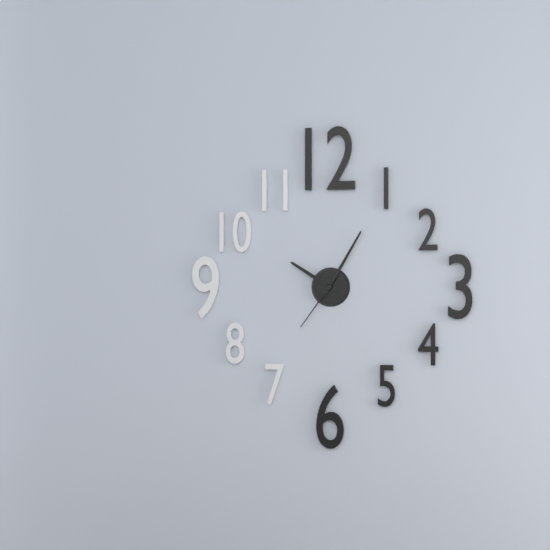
10:05:36
